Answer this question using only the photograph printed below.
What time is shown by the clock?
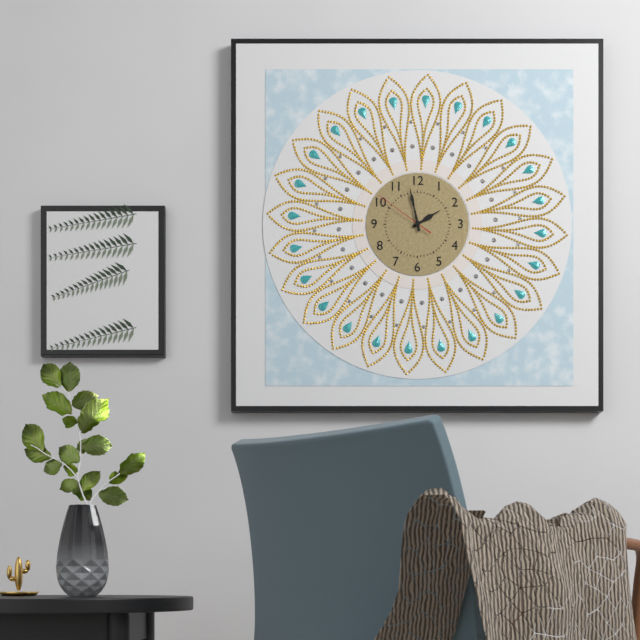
1:58:51
